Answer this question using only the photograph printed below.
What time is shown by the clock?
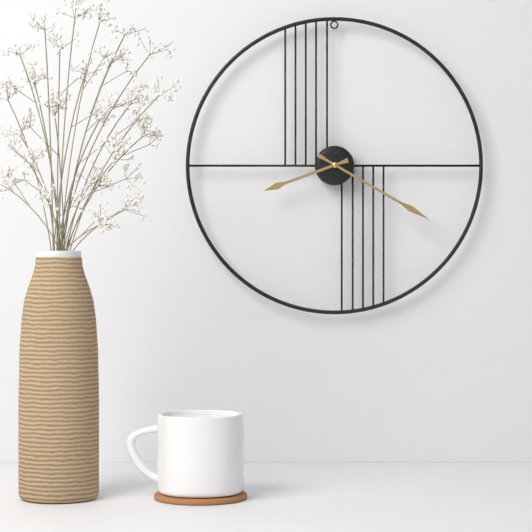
8:20
